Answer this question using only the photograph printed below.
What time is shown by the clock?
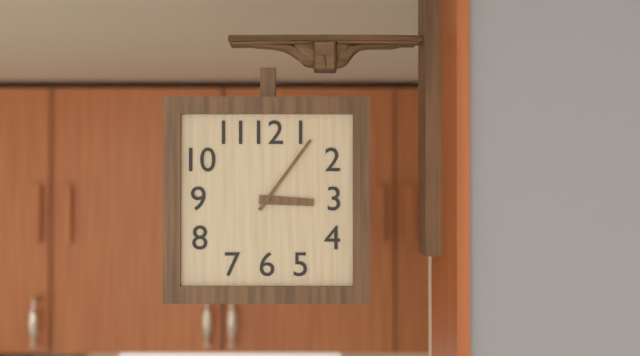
3:06
